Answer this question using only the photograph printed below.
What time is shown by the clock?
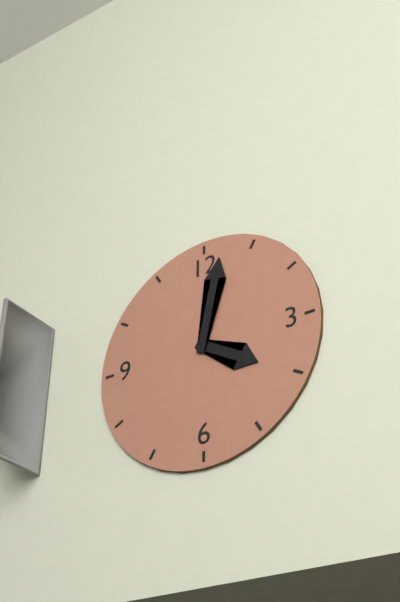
4:02
